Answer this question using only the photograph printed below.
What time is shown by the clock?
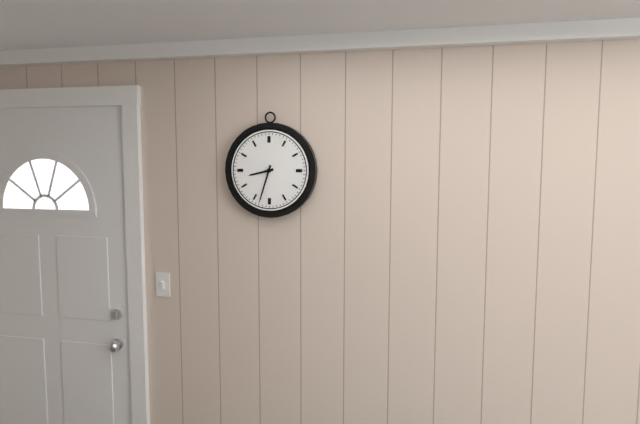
8:33
